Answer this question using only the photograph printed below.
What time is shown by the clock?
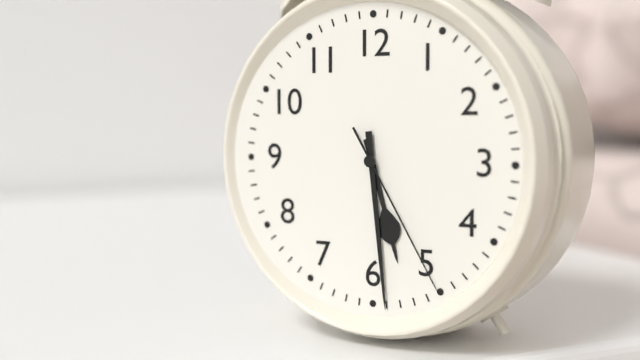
5:29:25
